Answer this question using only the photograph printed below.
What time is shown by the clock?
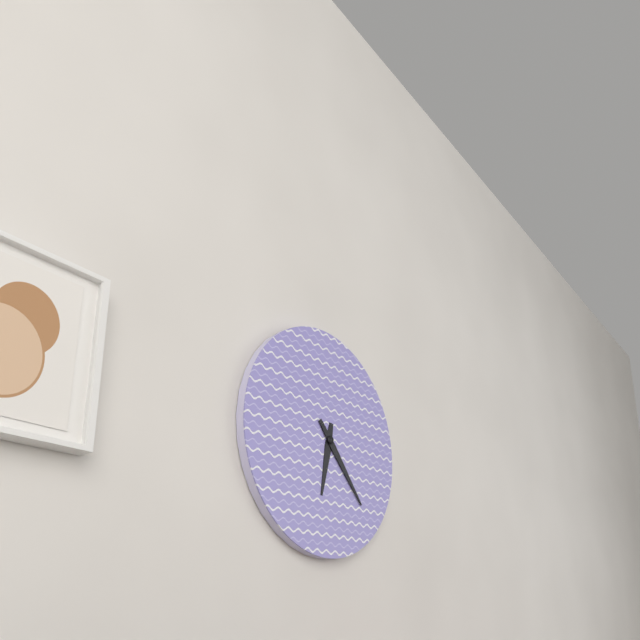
6:23
